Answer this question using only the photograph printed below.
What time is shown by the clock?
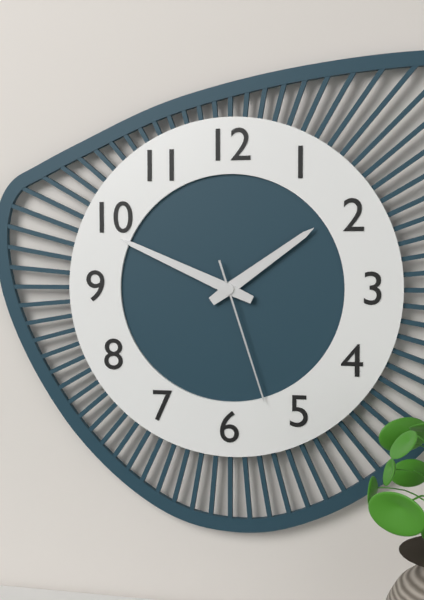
1:49:27
